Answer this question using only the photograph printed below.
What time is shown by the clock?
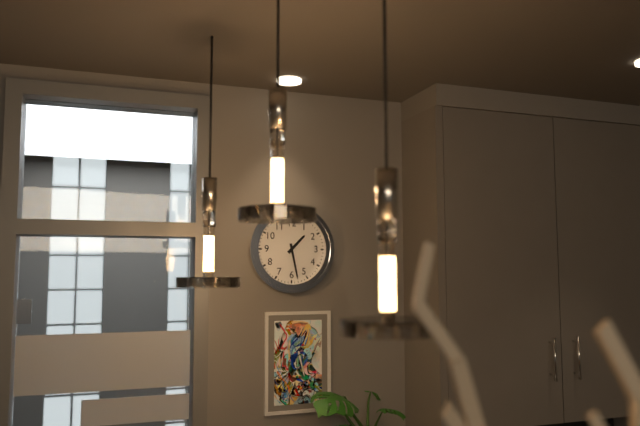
1:28
